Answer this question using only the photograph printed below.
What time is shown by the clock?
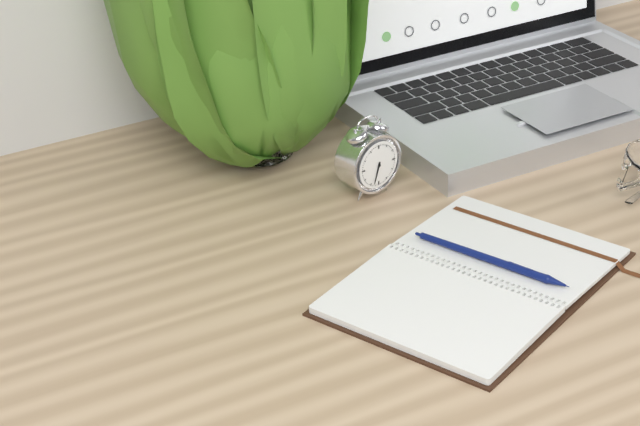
6:33
